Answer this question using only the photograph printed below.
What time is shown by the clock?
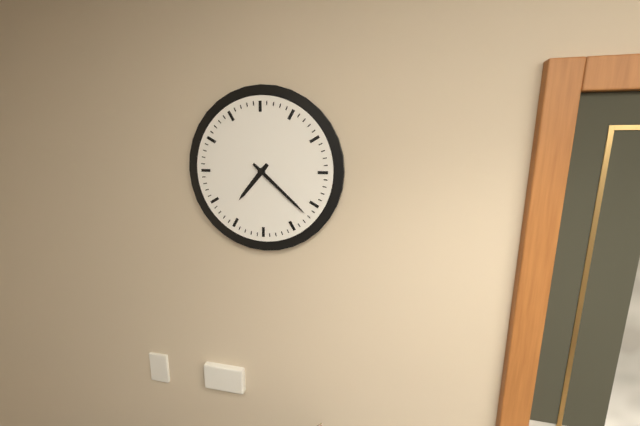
7:22
